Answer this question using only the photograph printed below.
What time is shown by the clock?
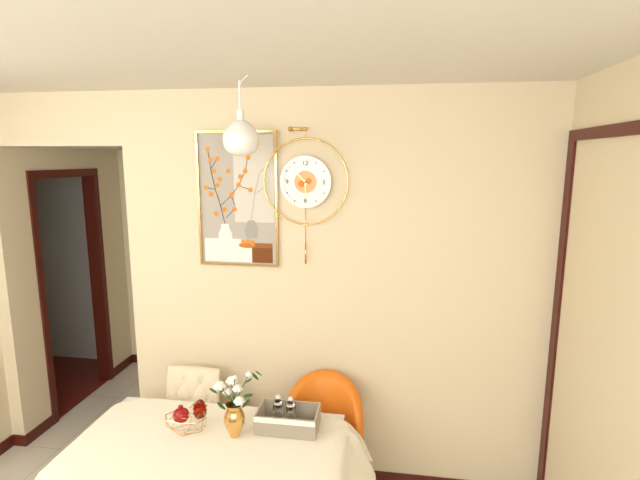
5:53
